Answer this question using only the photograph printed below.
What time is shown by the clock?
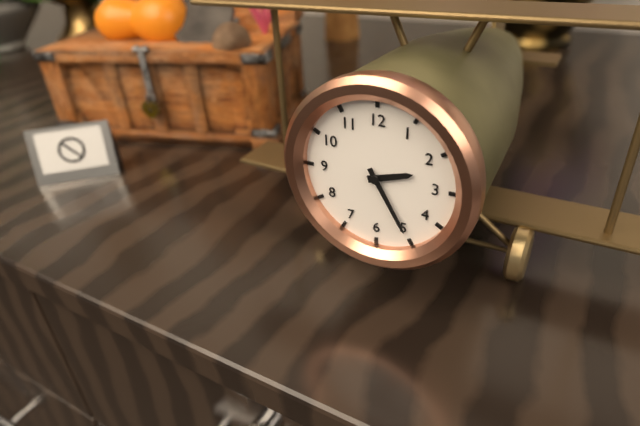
2:25
